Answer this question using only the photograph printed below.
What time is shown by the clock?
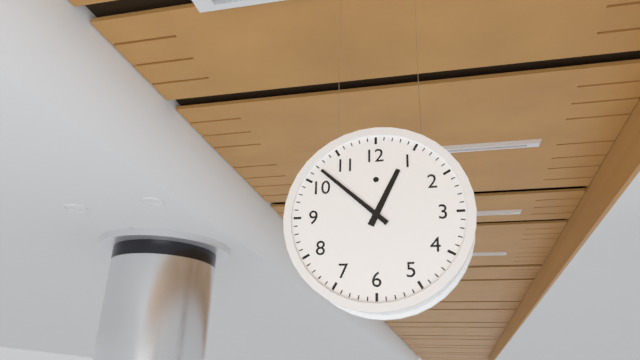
12:52
